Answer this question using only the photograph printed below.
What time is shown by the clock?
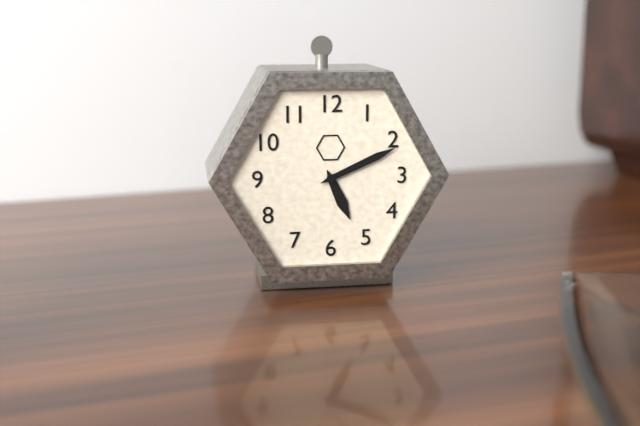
5:11
